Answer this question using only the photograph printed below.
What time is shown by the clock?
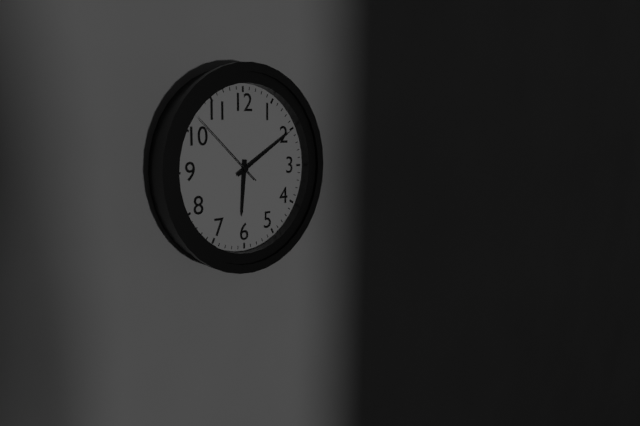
6:10:52
